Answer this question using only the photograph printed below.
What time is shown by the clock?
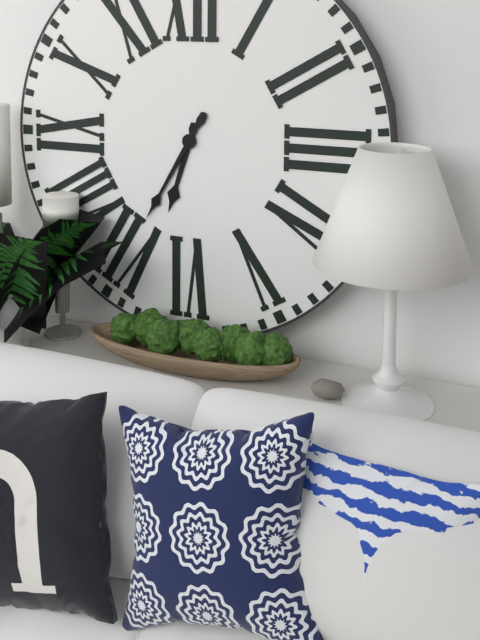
6:35
